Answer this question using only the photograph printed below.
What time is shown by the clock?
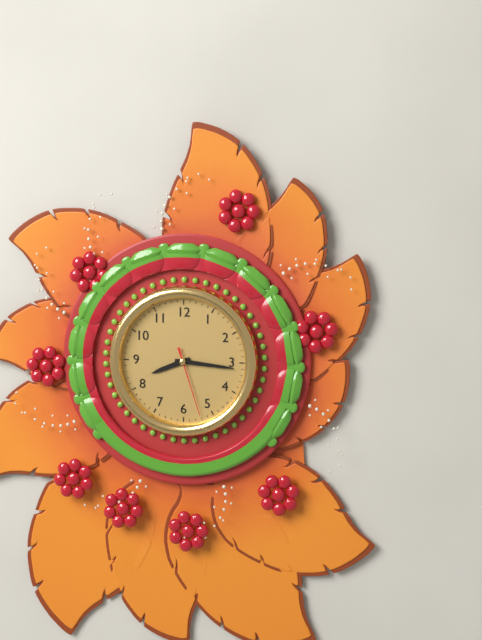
8:16:27
